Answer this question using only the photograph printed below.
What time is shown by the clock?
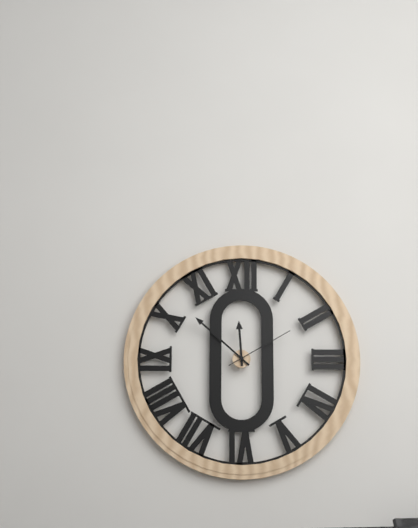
11:52:10
